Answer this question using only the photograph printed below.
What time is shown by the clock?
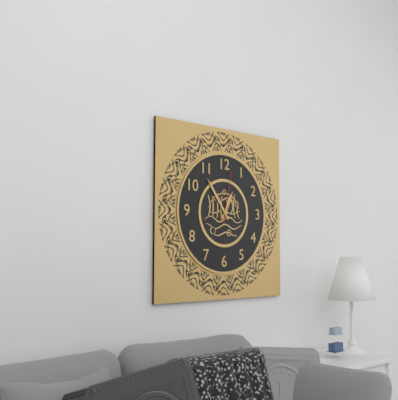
12:54:02
